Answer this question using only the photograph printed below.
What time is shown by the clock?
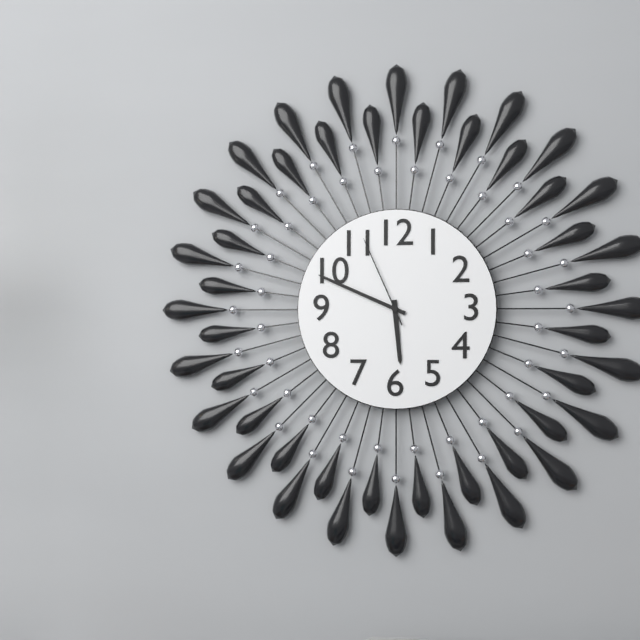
5:49:56
